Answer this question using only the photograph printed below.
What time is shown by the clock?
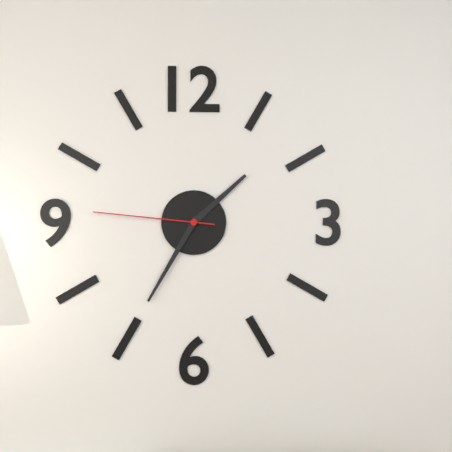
1:35:46
